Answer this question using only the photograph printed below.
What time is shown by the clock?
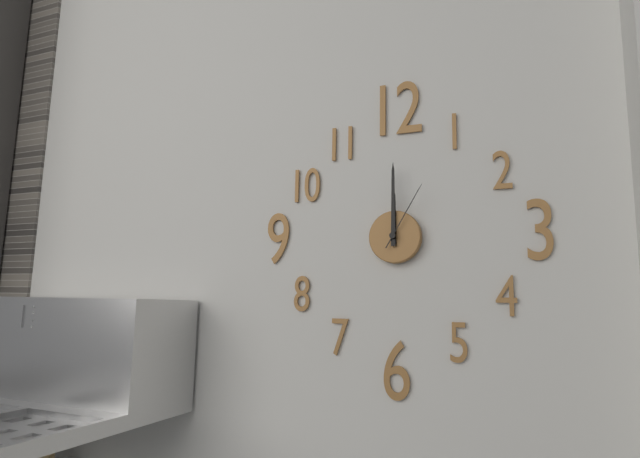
12:00:05
